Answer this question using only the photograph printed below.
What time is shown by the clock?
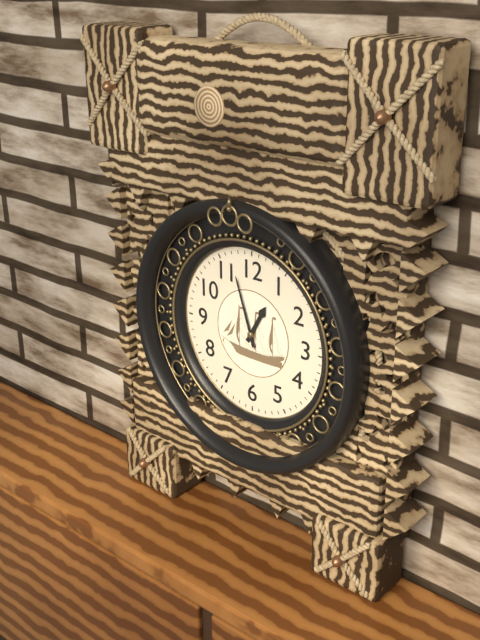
12:57
